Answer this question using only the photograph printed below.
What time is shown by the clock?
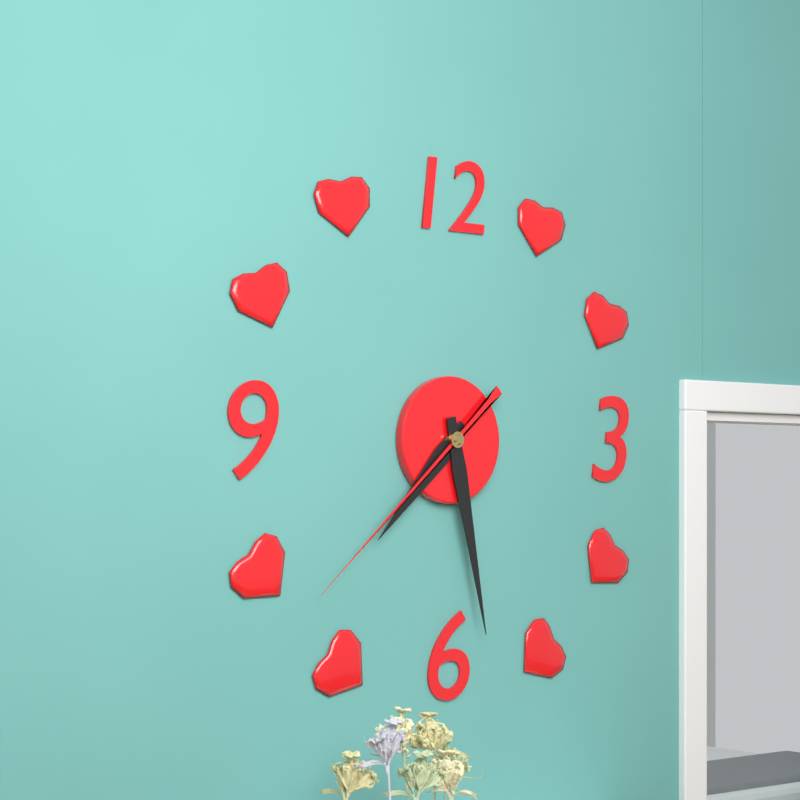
7:28:38
